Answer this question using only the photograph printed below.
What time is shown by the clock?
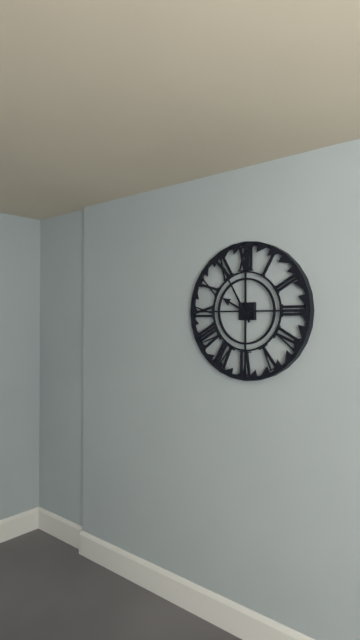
9:55
